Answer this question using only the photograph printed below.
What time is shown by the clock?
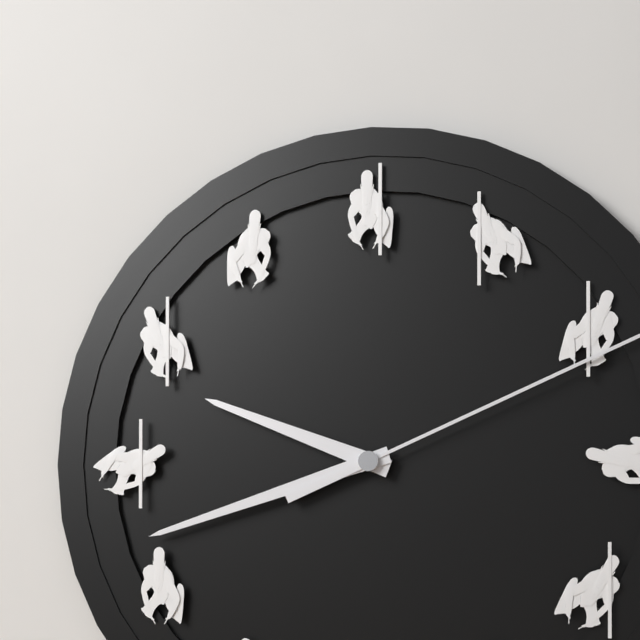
9:42
